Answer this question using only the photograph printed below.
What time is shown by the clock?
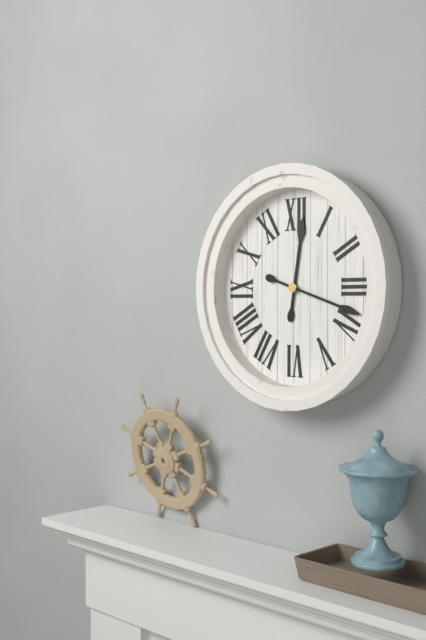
12:18
